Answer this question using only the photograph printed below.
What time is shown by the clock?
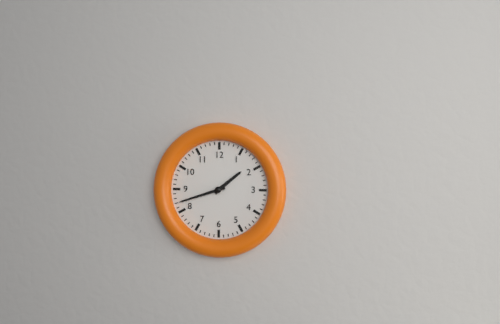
1:42
